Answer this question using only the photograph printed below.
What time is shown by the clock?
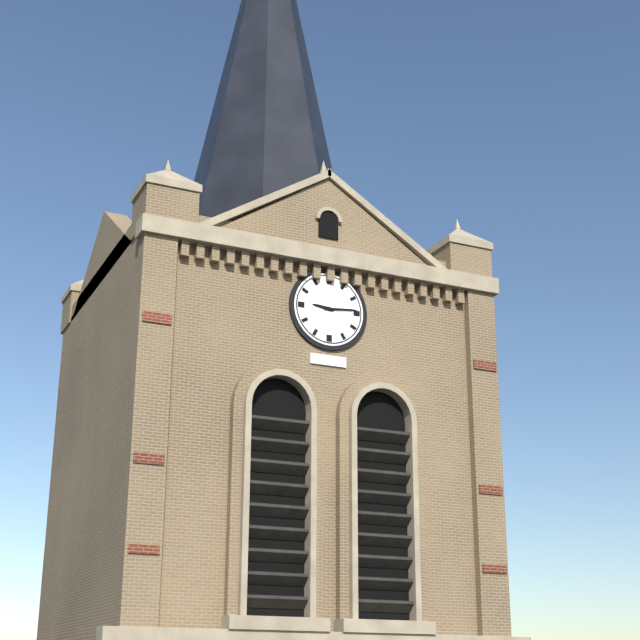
9:14
